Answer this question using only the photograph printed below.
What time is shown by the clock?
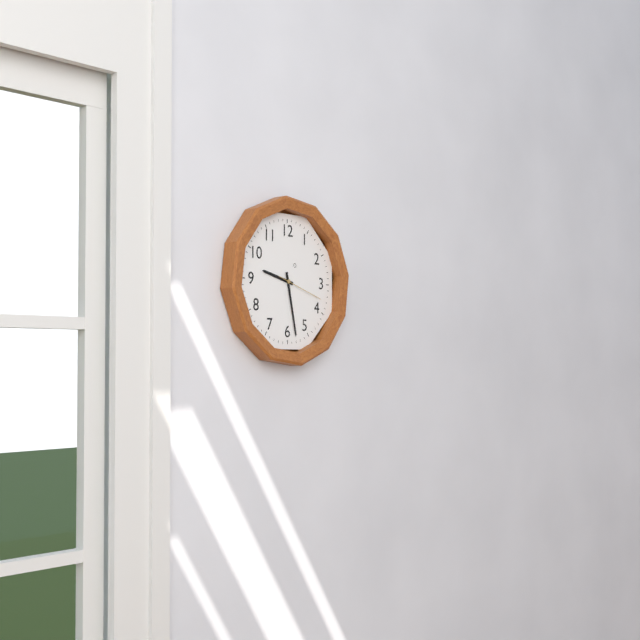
9:28
